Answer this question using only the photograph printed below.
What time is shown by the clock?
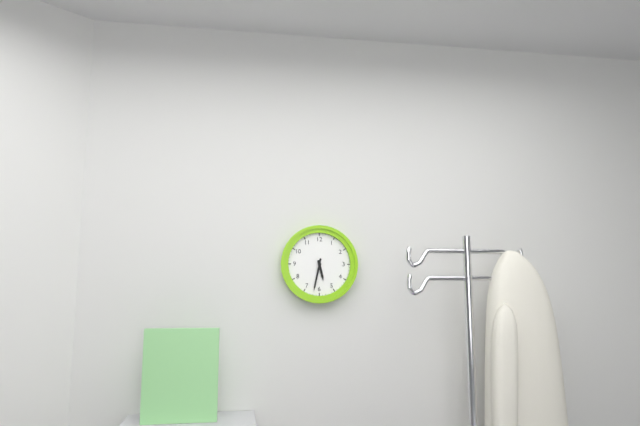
5:32
